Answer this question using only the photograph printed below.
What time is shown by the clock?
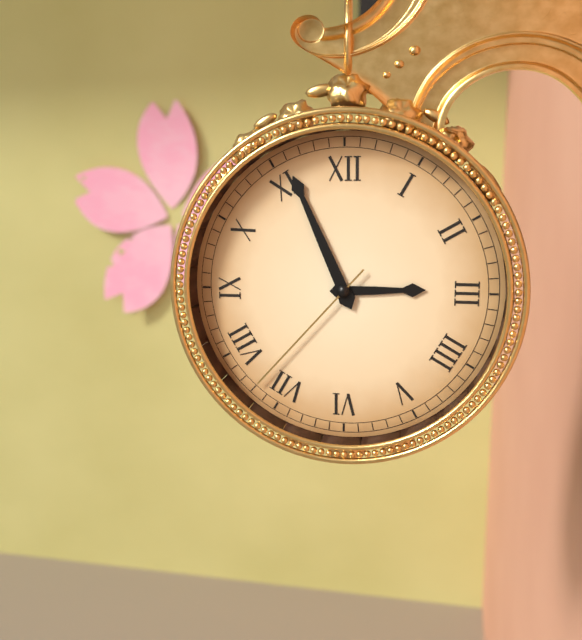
2:56:37
